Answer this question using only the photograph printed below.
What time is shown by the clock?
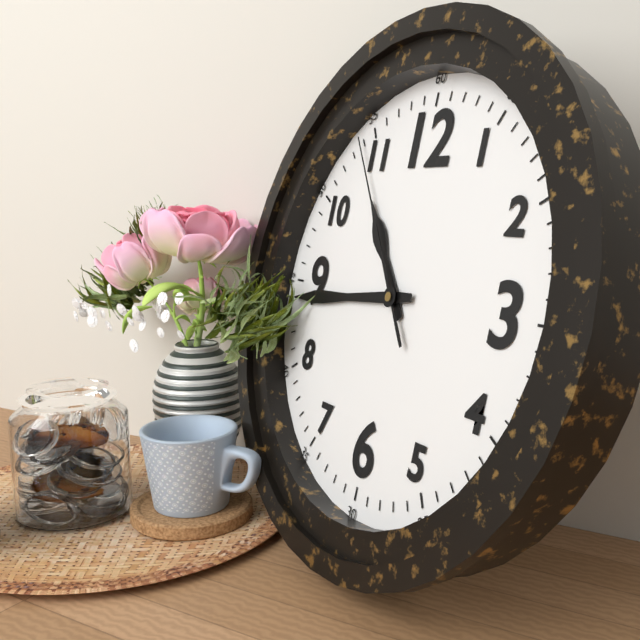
10:44:54
